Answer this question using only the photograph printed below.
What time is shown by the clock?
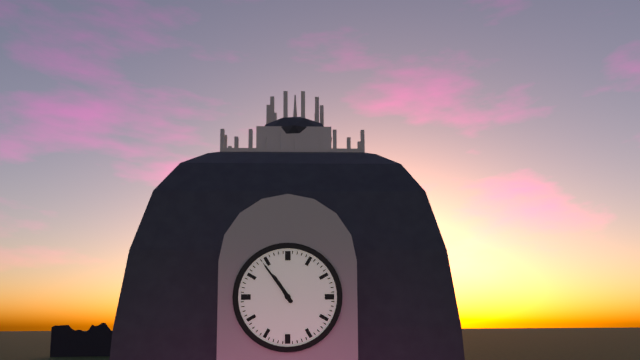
10:54
